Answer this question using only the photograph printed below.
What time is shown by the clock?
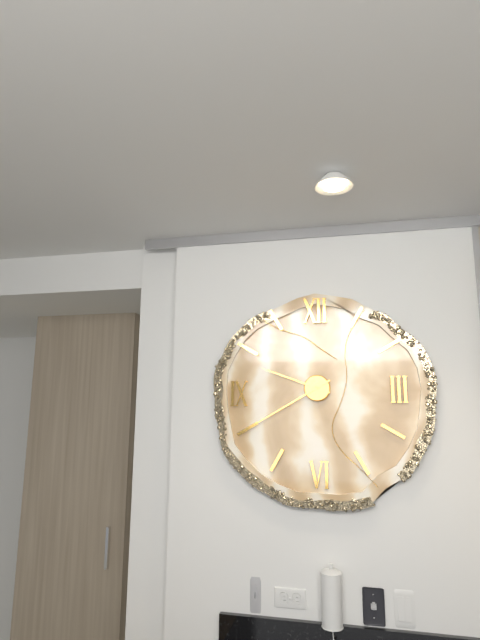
9:40
